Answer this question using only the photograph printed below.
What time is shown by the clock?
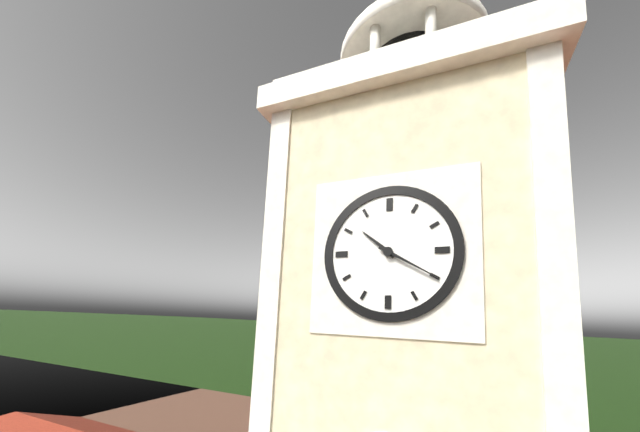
10:20
